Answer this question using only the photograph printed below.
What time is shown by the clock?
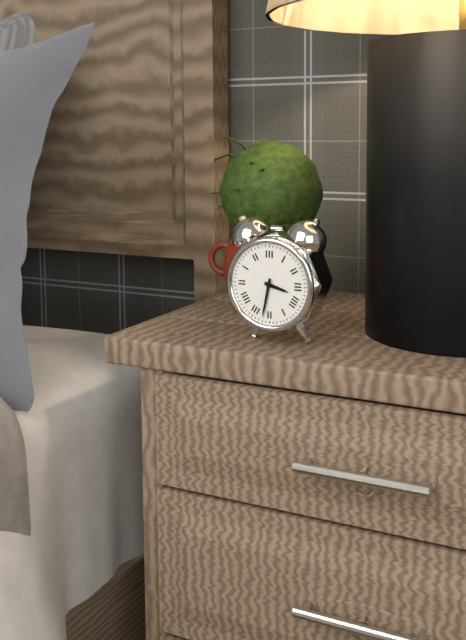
3:32
